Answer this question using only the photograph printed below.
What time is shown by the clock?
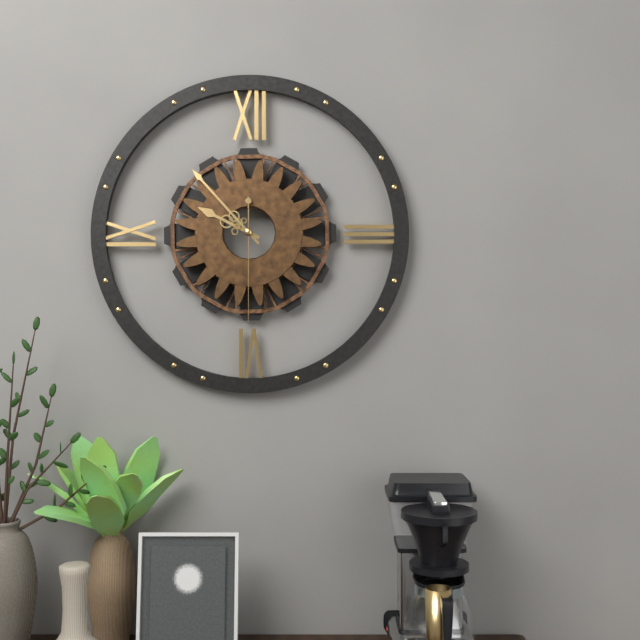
9:53:30
